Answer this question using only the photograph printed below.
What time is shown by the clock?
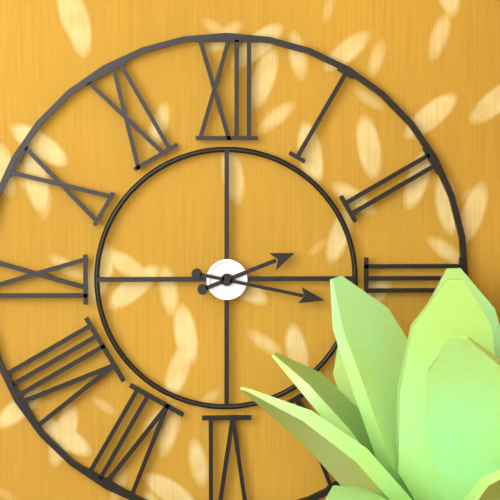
2:17
